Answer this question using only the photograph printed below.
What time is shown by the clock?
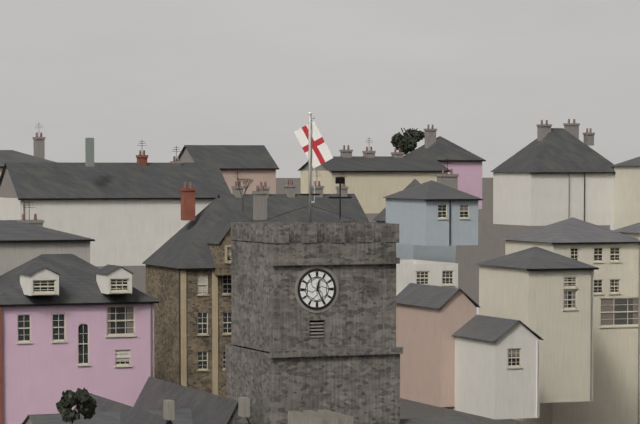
12:26
